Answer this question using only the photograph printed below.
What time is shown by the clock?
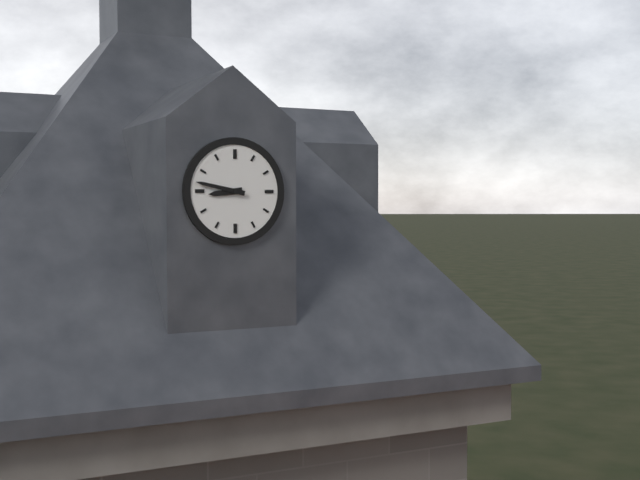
8:47
